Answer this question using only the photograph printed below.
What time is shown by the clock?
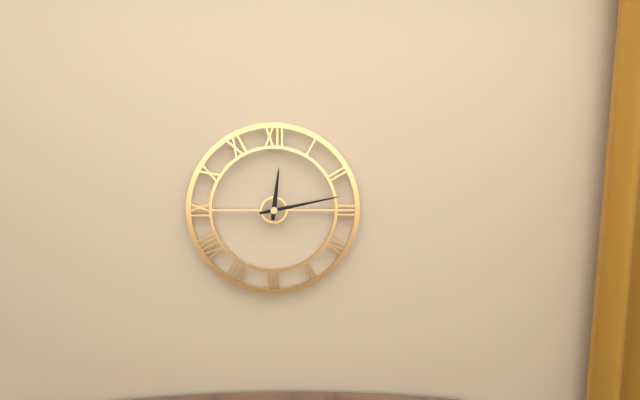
12:13
